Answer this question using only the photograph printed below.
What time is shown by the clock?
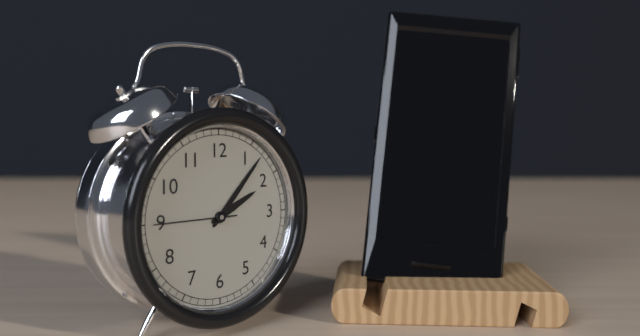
2:07:45
